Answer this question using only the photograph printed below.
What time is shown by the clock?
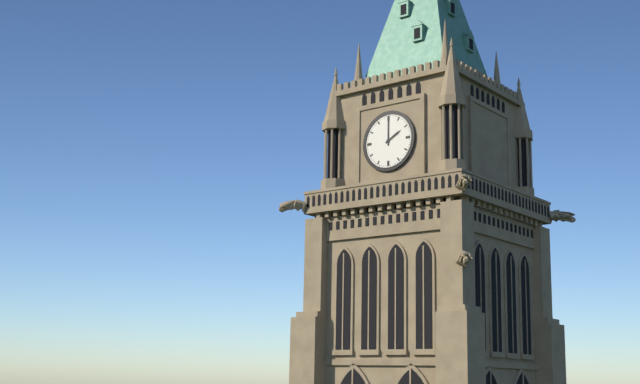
2:00
